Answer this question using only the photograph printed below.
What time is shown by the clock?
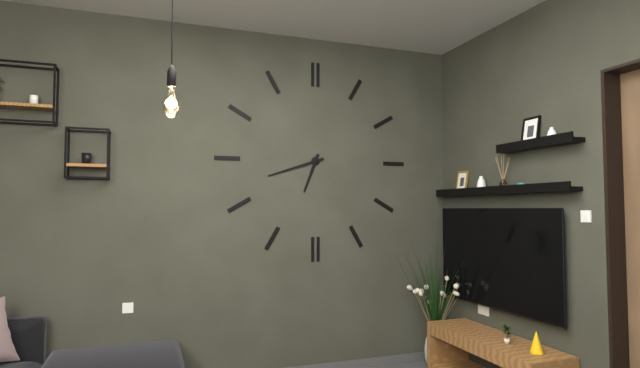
6:42
